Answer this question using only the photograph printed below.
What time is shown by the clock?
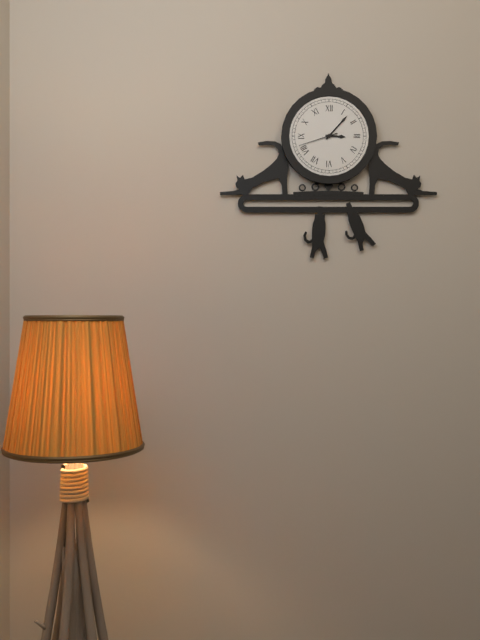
3:07
